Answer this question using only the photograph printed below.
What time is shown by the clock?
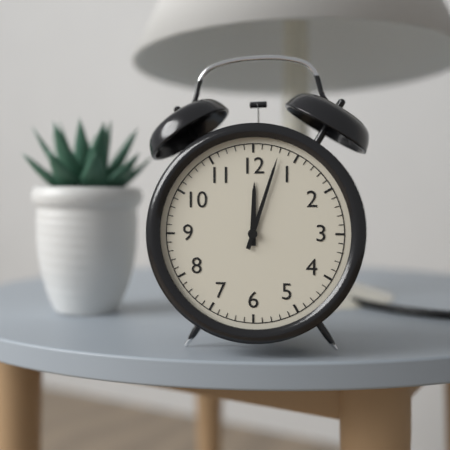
12:03
